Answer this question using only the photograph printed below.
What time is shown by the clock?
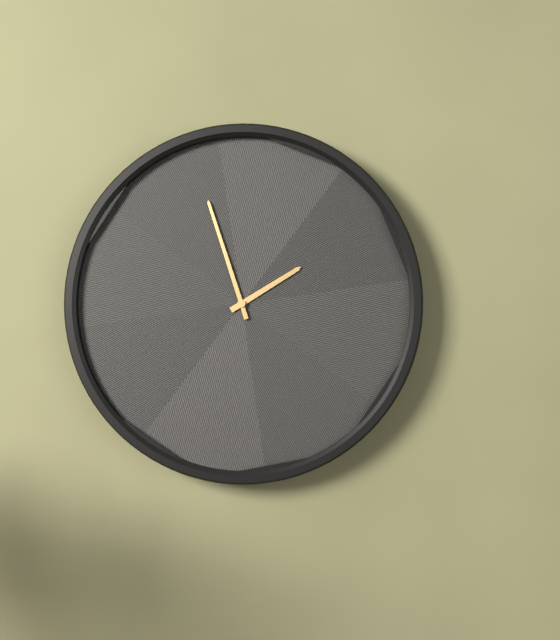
1:57
